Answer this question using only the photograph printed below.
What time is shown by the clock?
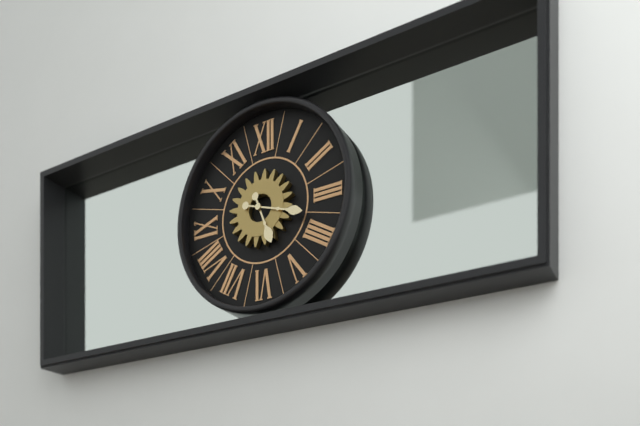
5:18
